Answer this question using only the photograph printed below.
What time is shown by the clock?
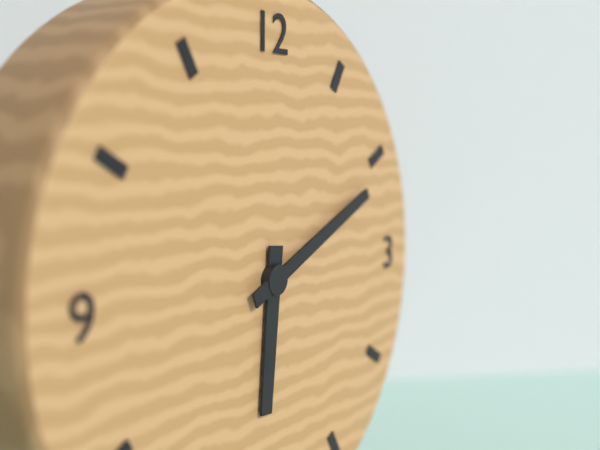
6:11
